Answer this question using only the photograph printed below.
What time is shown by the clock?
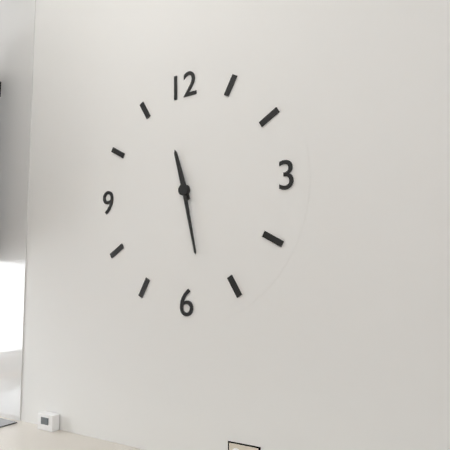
11:28
